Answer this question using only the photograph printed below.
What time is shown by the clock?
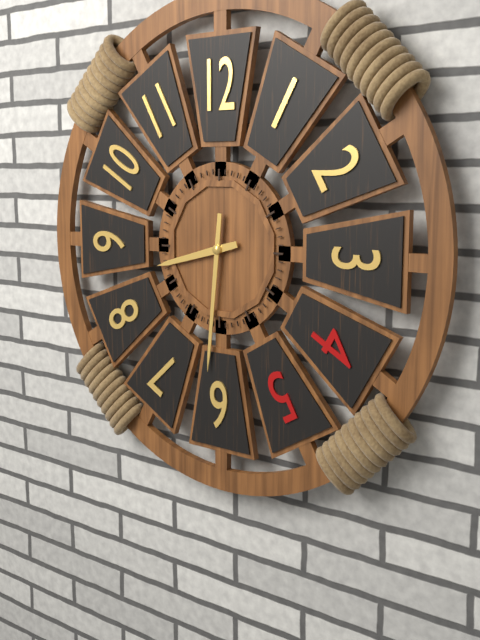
8:31
